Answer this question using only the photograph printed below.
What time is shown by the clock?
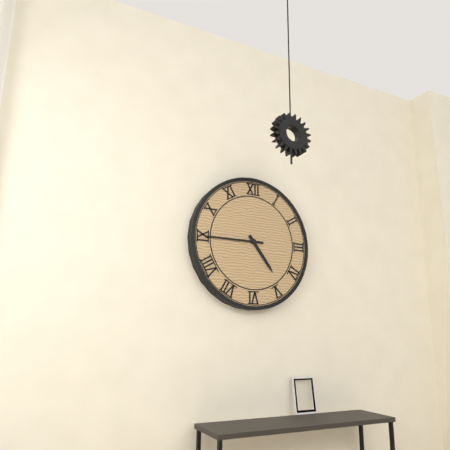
4:45
